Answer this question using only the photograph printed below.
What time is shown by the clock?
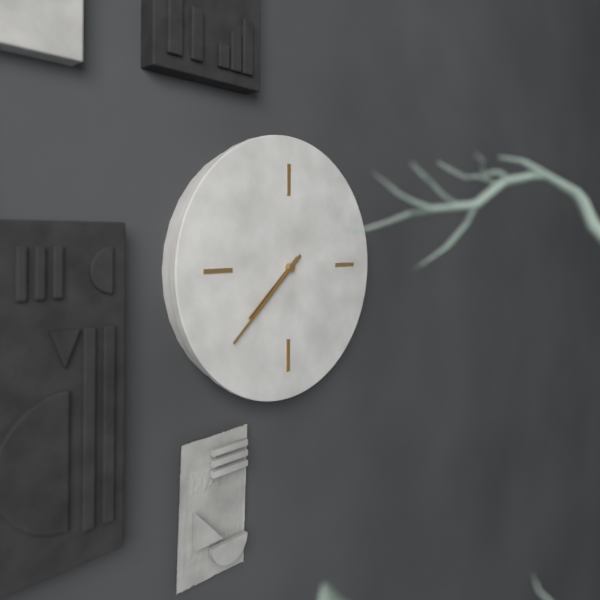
7:38
